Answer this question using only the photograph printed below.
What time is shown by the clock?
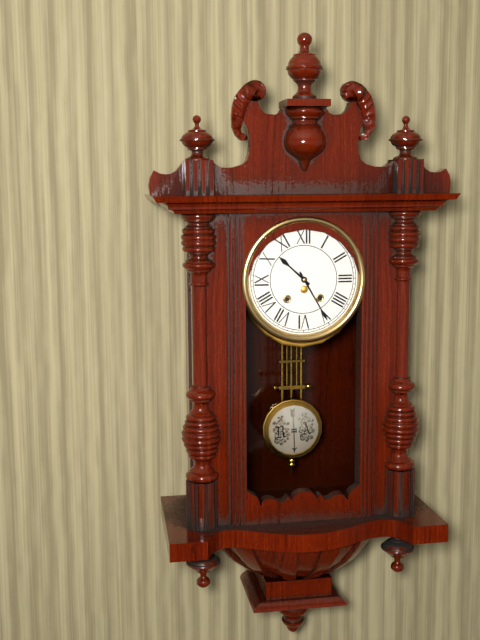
10:25
